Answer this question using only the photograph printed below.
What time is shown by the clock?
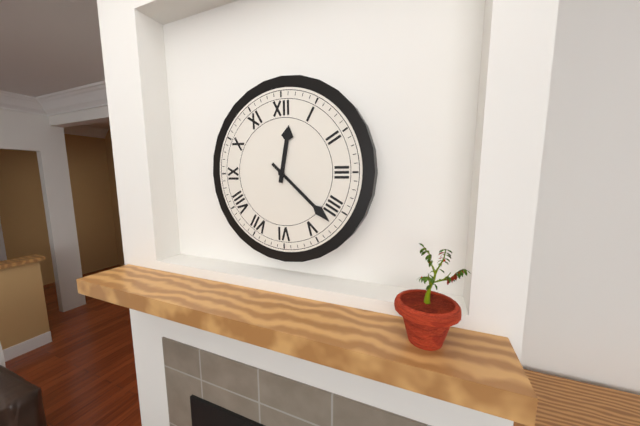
12:22
